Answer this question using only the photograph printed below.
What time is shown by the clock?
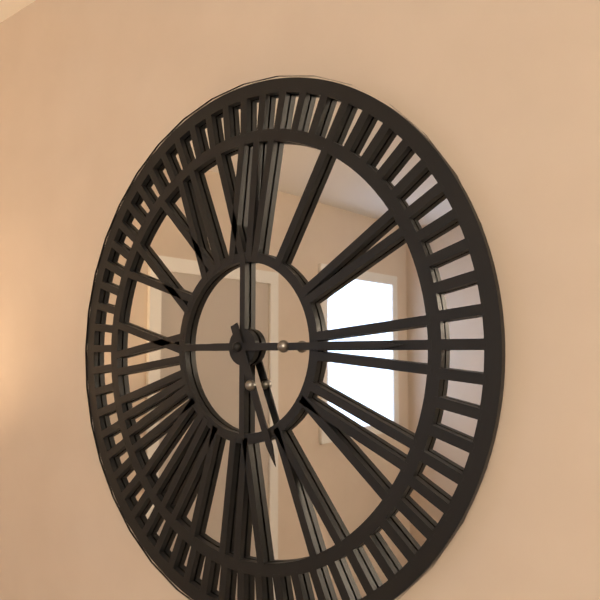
5:15
